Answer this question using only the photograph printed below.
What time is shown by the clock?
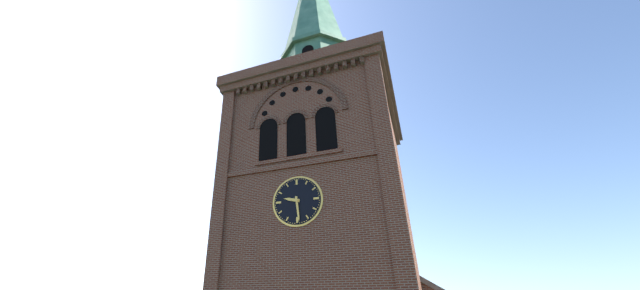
9:29
